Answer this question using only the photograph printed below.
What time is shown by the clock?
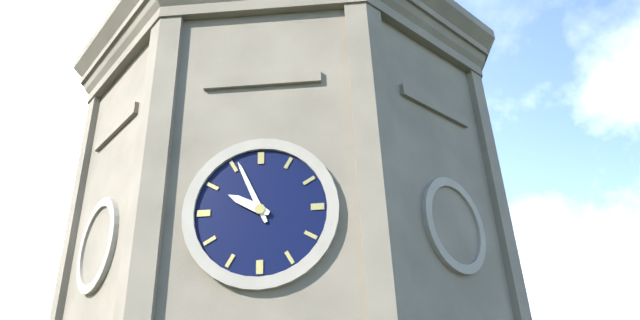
9:56
